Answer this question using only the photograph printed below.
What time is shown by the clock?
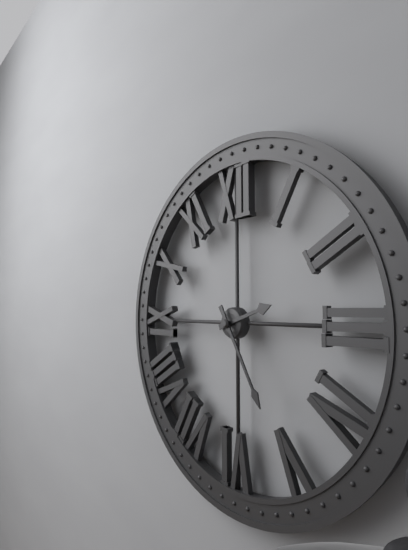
2:25
